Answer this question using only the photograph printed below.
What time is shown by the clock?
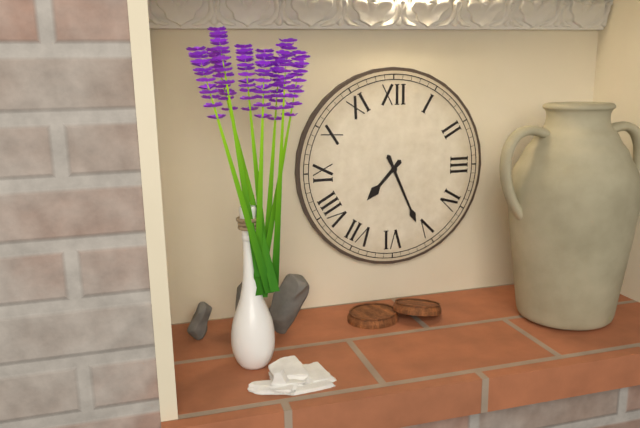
7:26
